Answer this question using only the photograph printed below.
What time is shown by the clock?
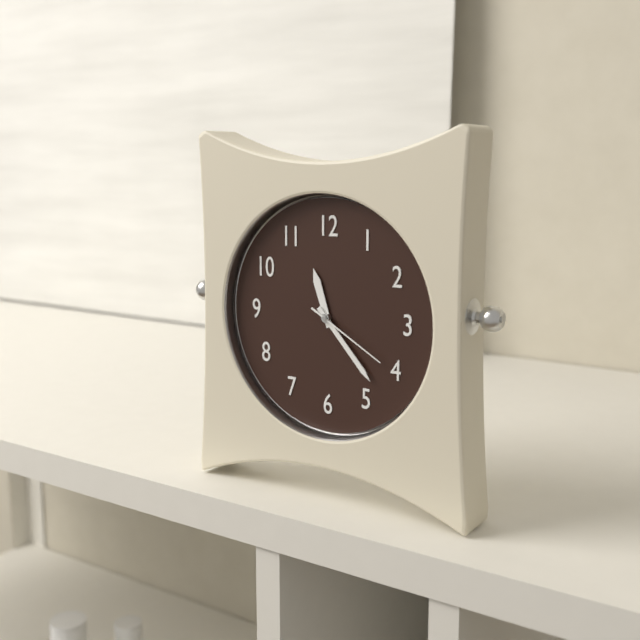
11:23:20
